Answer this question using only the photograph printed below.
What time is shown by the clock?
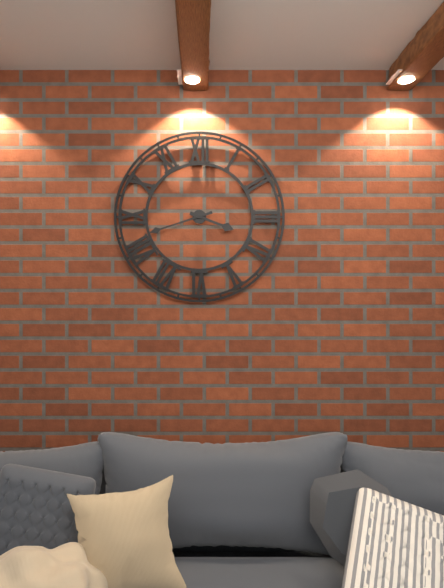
3:42
